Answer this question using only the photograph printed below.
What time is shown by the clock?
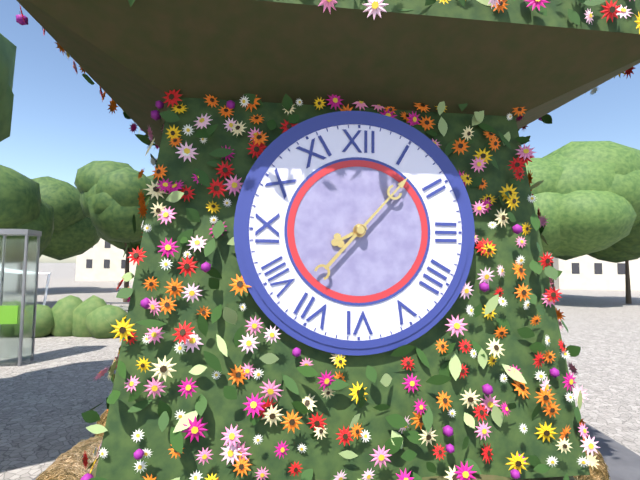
8:07
